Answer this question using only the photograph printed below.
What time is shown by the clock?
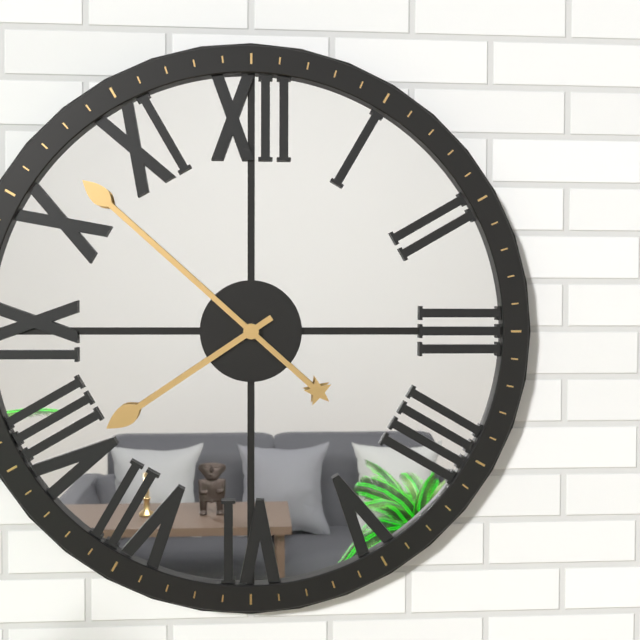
7:52
